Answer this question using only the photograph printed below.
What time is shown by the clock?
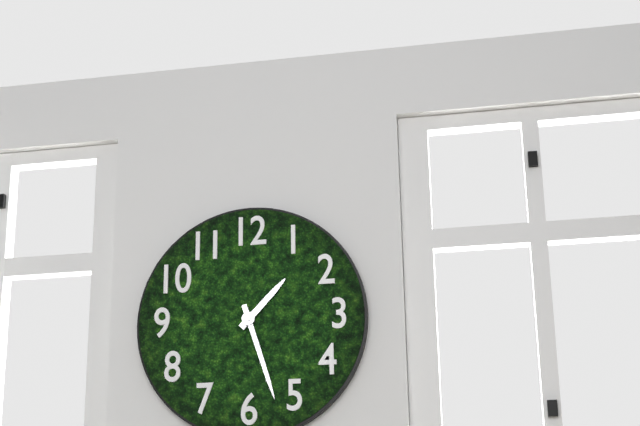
1:27
